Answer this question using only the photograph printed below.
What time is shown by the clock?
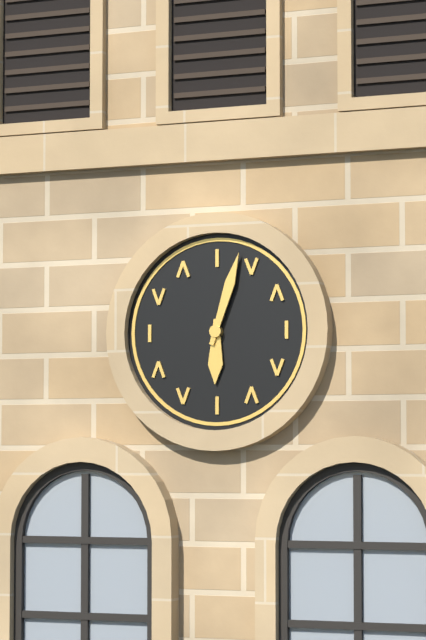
6:03
